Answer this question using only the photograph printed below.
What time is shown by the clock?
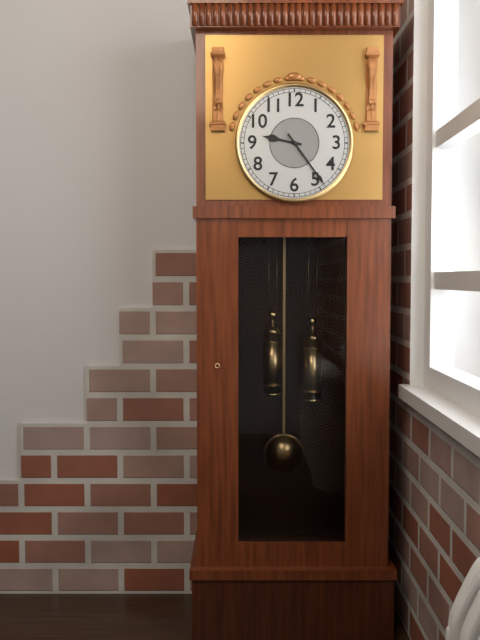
9:24
